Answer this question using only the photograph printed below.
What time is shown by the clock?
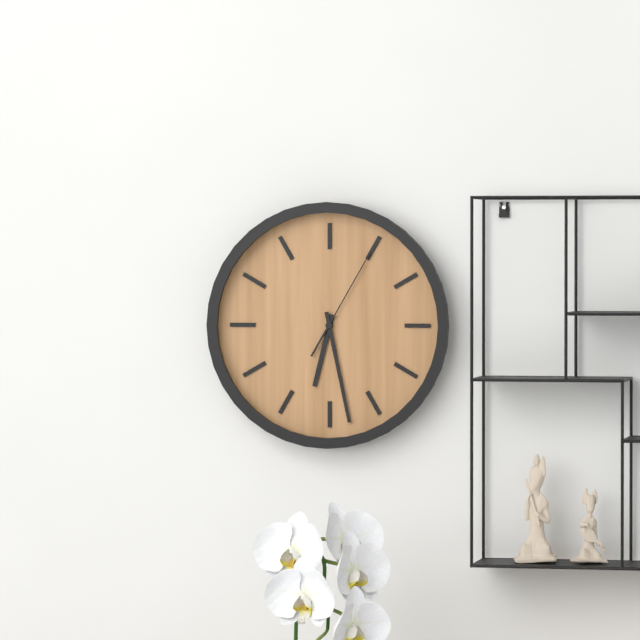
6:28:05
